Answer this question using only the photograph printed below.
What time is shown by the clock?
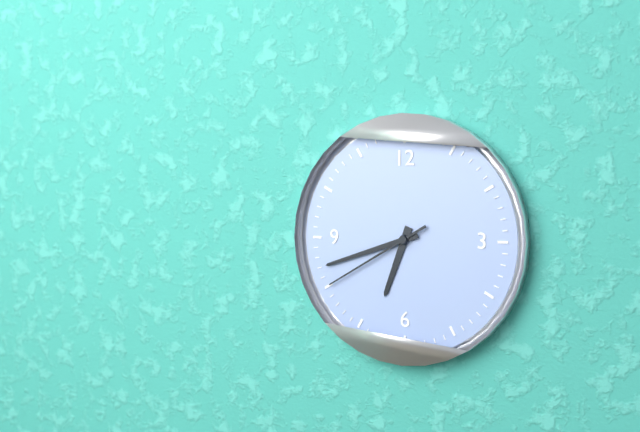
6:42:40
